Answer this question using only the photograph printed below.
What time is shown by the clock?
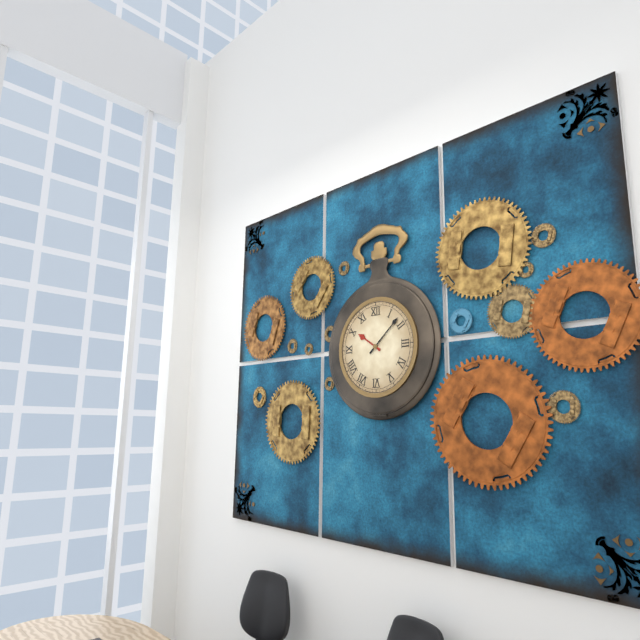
10:08
